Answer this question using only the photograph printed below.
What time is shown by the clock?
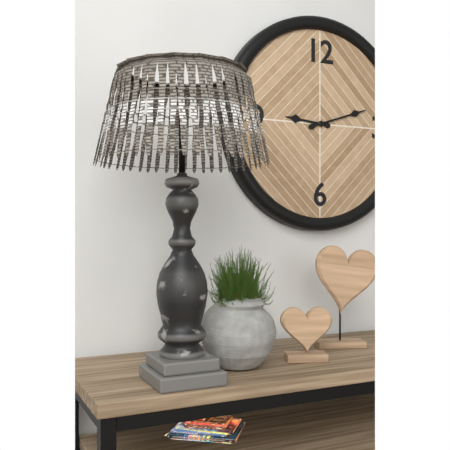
9:12
